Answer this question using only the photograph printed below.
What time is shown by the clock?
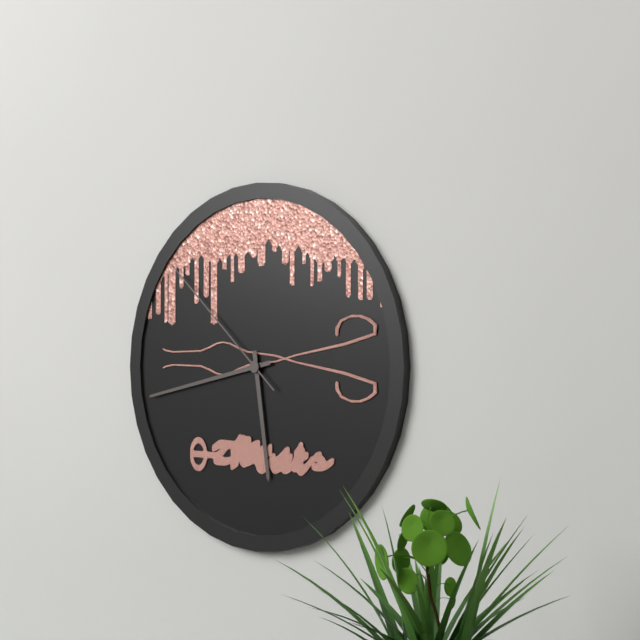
5:43:52
